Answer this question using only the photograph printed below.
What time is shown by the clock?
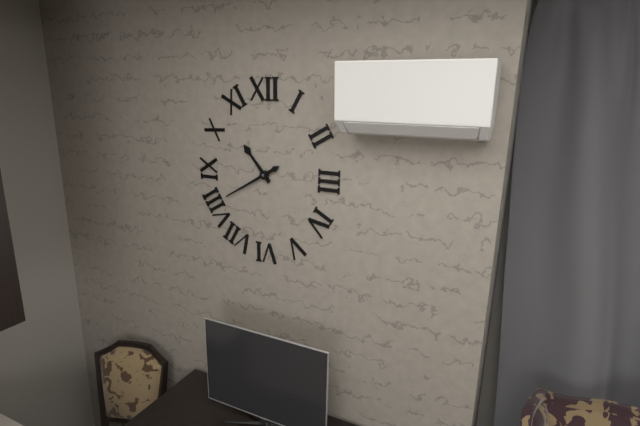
10:40
